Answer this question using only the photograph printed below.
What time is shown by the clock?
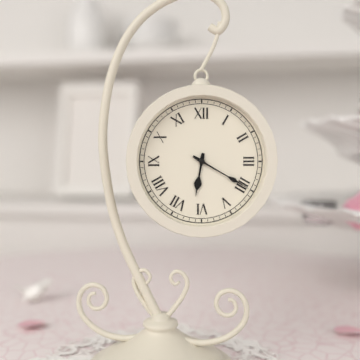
6:20
